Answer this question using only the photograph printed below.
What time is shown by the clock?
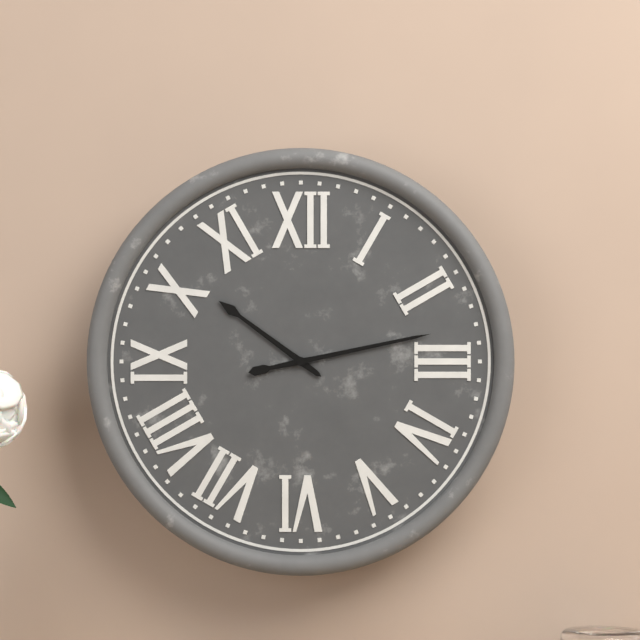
10:13
